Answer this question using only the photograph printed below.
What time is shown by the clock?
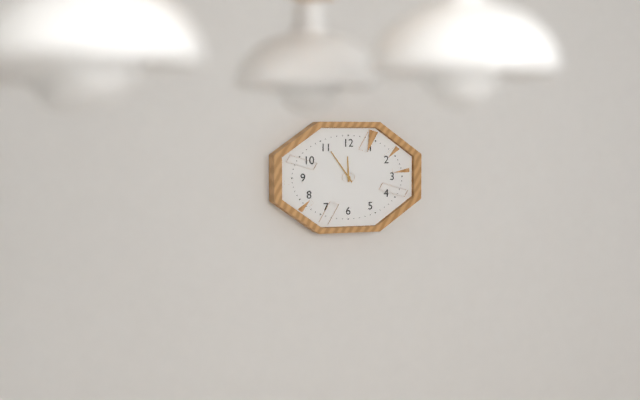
11:54
